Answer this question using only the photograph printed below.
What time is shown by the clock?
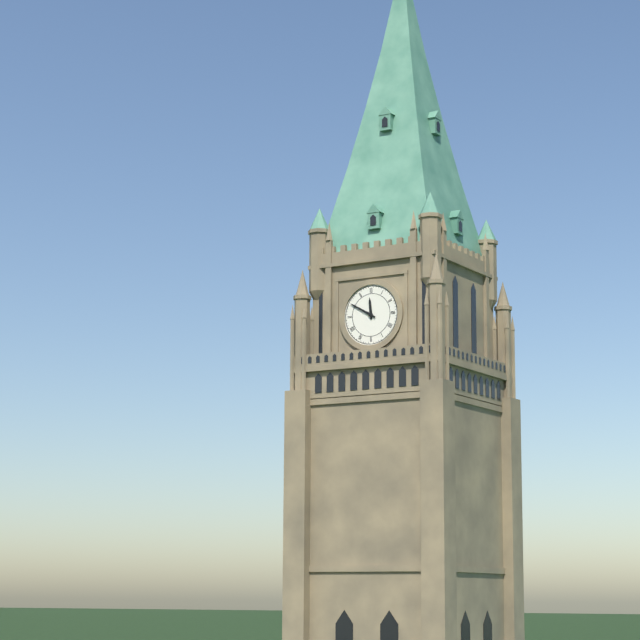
11:50
